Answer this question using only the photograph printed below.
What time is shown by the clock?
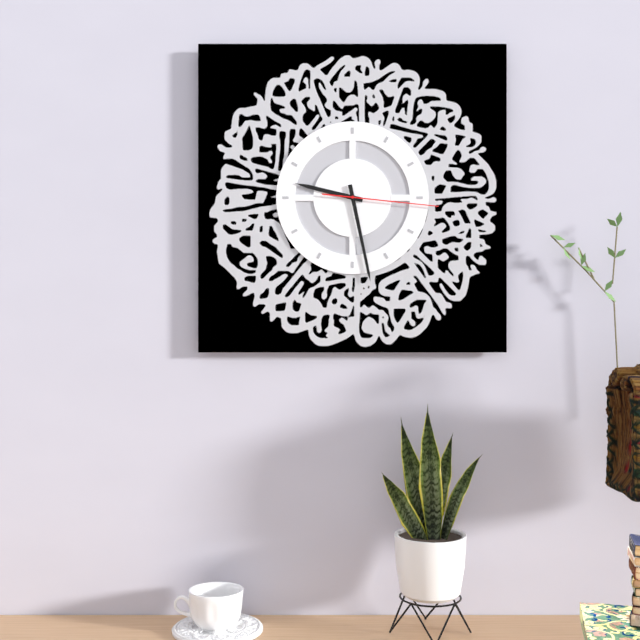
9:28:16
